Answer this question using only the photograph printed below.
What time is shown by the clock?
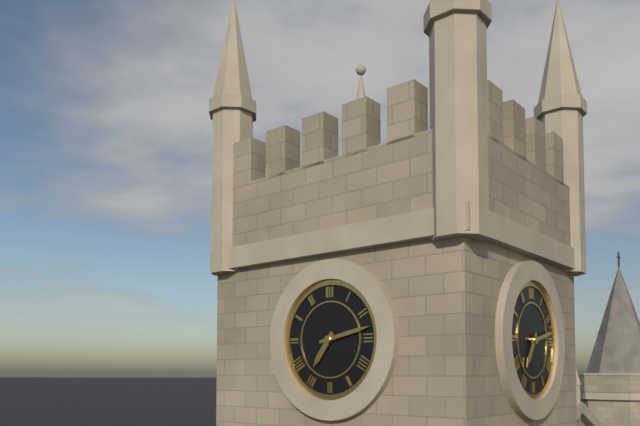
7:13
